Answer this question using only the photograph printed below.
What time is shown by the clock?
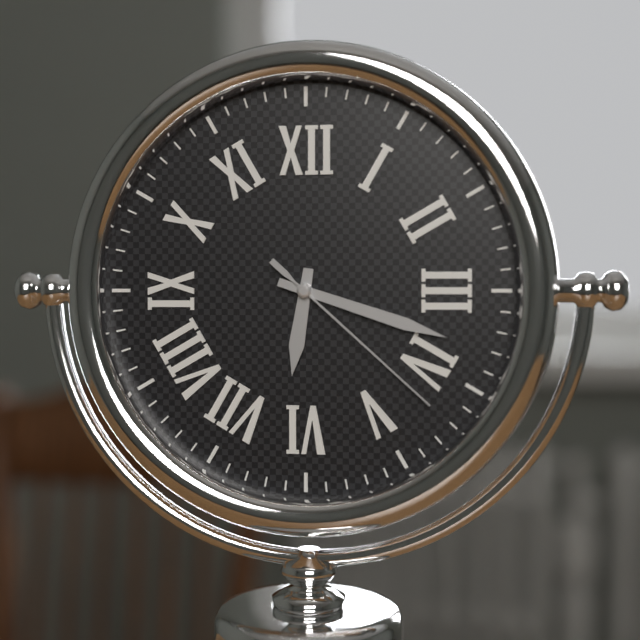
6:18:22
